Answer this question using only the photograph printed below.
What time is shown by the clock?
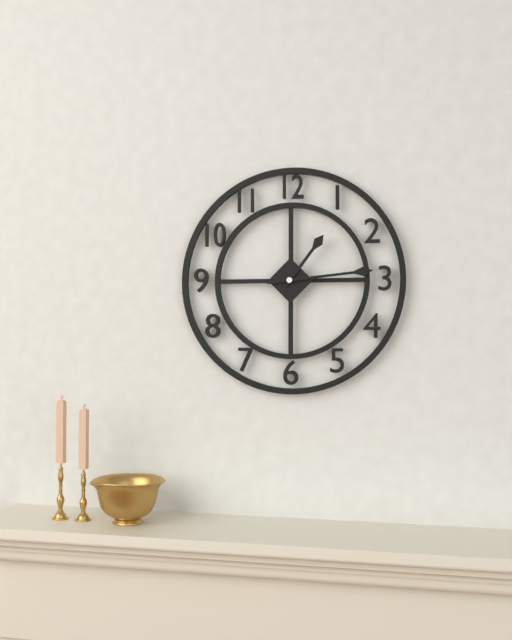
1:14
